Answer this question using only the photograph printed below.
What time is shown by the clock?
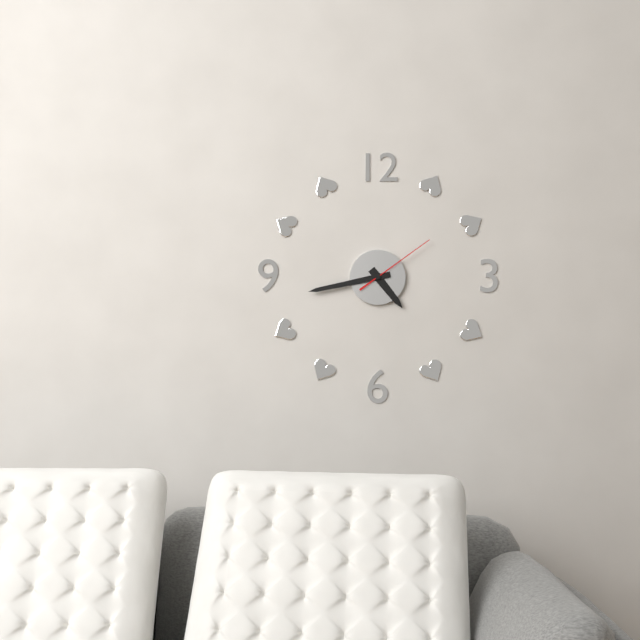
4:43:09
